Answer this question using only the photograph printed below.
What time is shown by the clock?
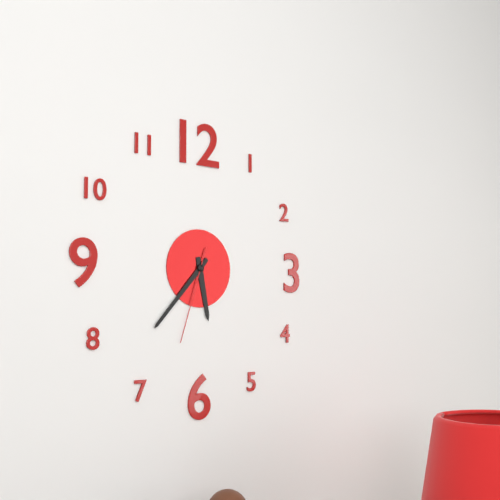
5:37:33
